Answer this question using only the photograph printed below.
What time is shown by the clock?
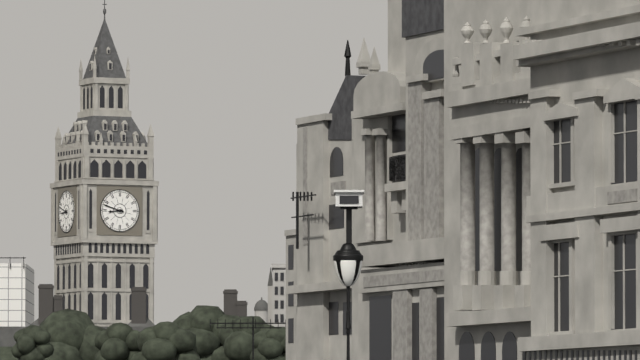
8:48
